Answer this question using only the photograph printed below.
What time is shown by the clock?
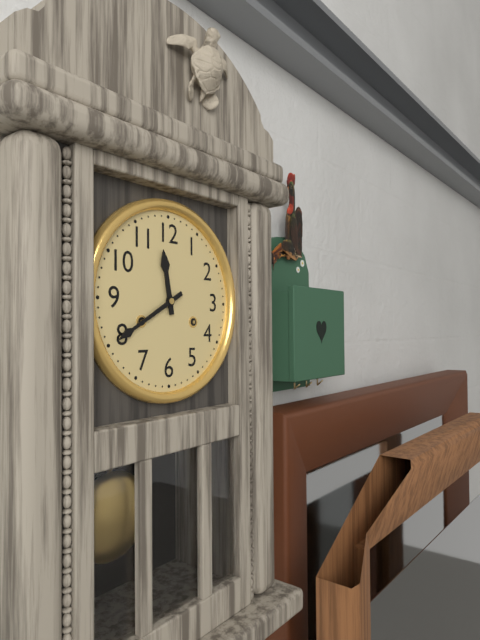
11:40
